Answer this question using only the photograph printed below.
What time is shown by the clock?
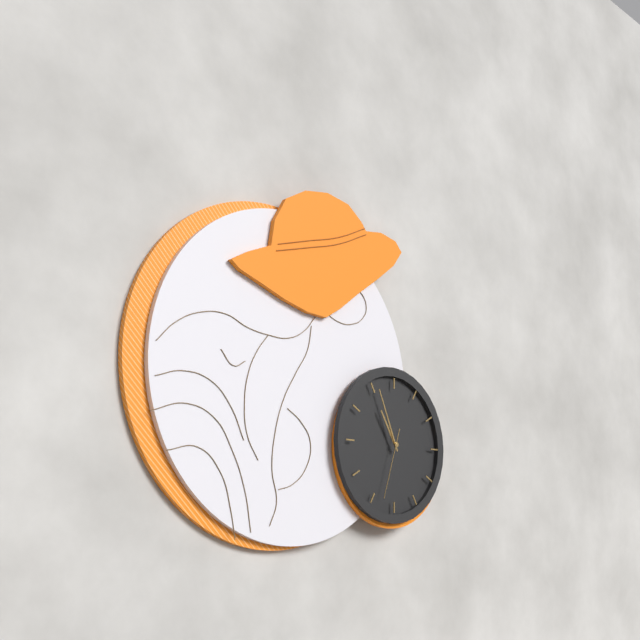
10:56:33
